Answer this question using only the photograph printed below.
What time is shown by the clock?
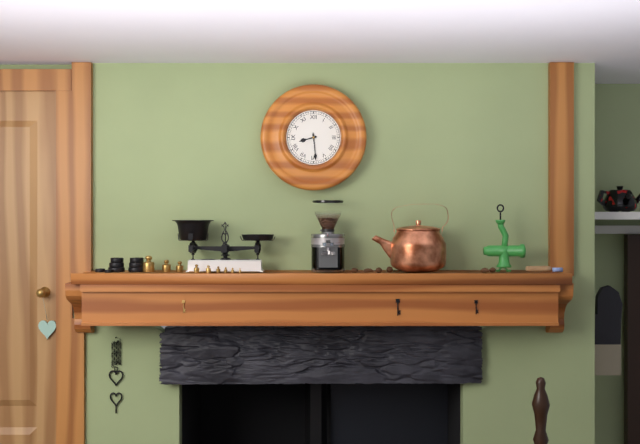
8:29
